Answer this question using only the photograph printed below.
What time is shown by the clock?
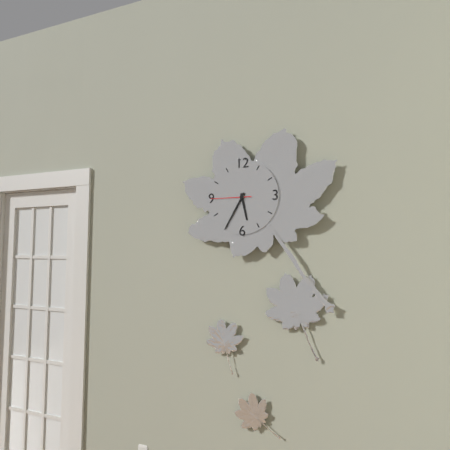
5:35
